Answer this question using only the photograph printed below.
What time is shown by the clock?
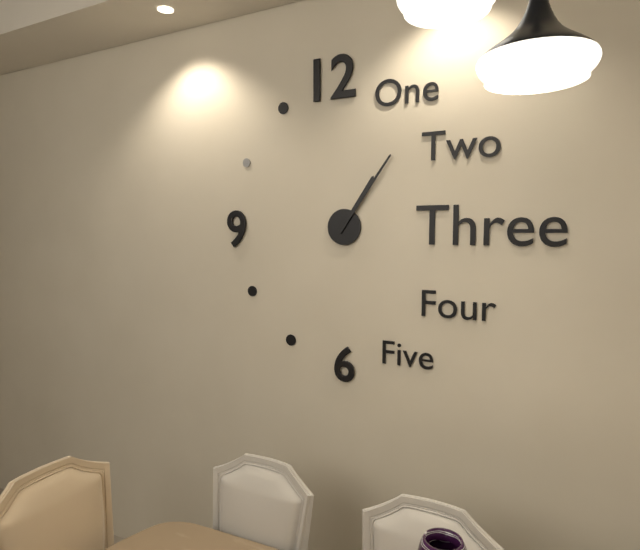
1:06
